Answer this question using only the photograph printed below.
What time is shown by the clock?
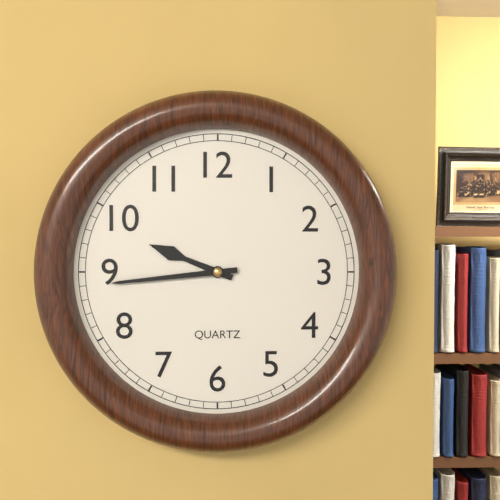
9:44
